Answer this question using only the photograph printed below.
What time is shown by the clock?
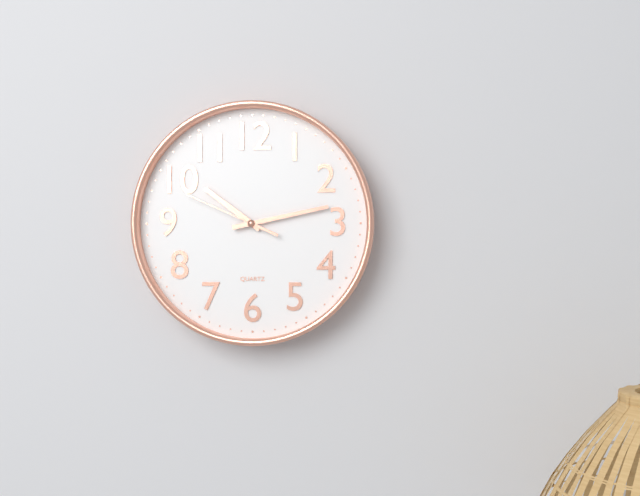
10:13:49
